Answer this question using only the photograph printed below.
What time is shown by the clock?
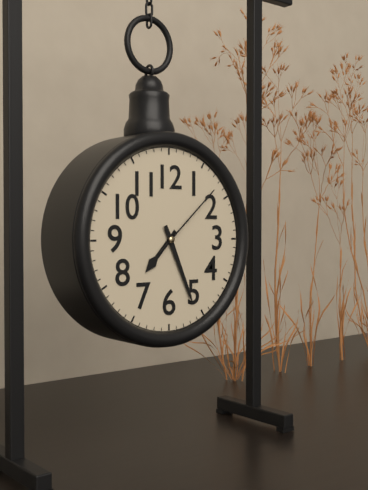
7:26:08
